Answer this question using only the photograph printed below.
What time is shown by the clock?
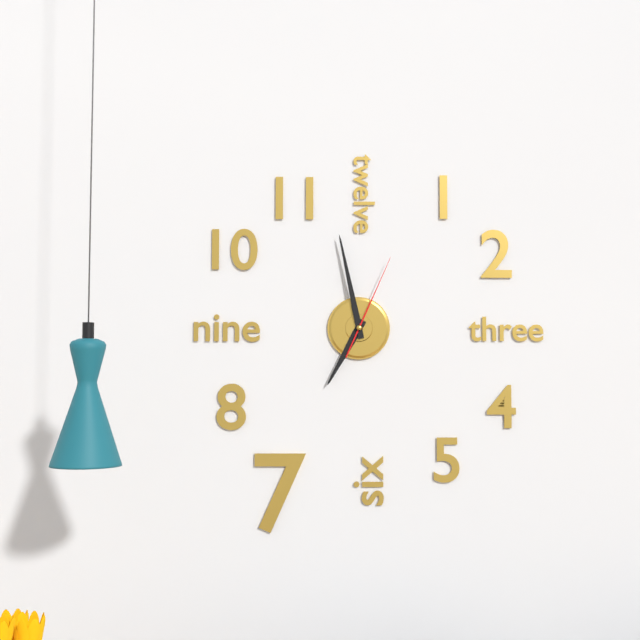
6:58:04
